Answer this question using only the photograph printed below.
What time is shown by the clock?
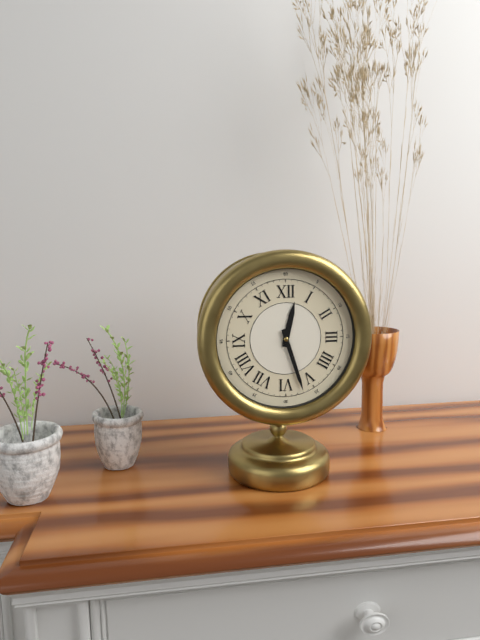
12:27
